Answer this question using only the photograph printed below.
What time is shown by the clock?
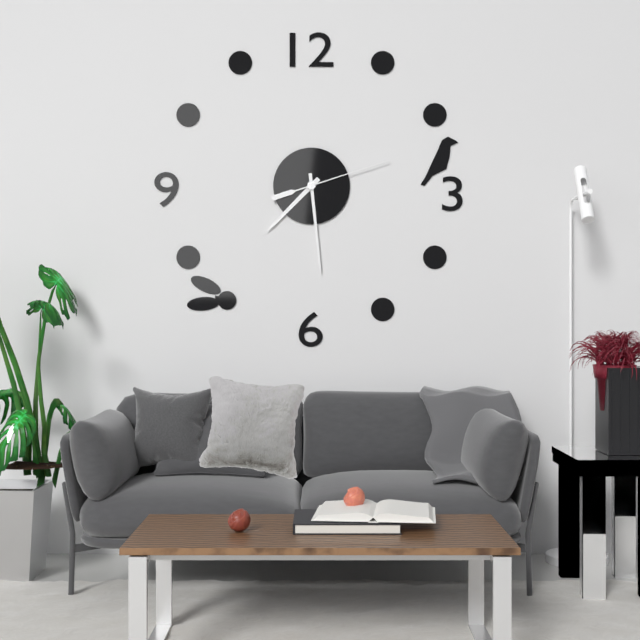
7:29:12
